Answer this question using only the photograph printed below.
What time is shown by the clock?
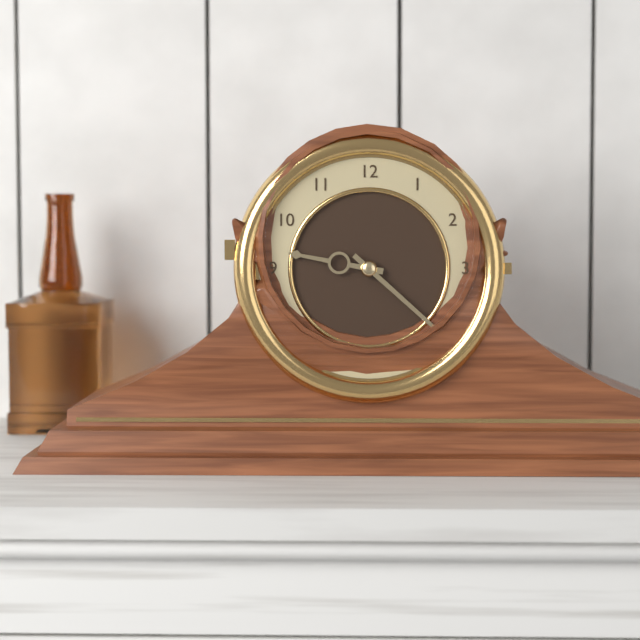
9:22
